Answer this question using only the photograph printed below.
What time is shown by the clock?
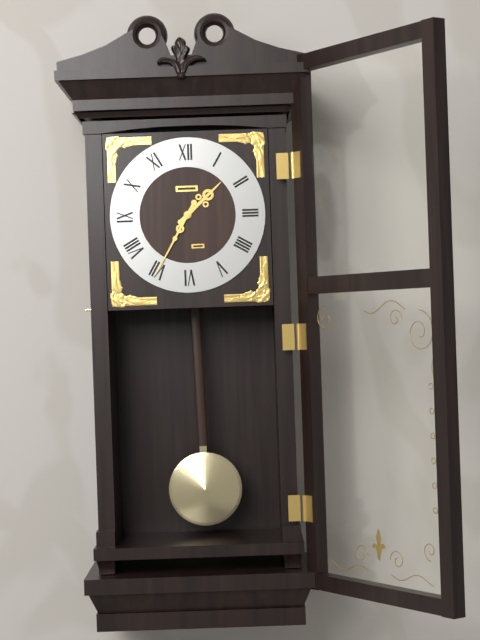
1:35
